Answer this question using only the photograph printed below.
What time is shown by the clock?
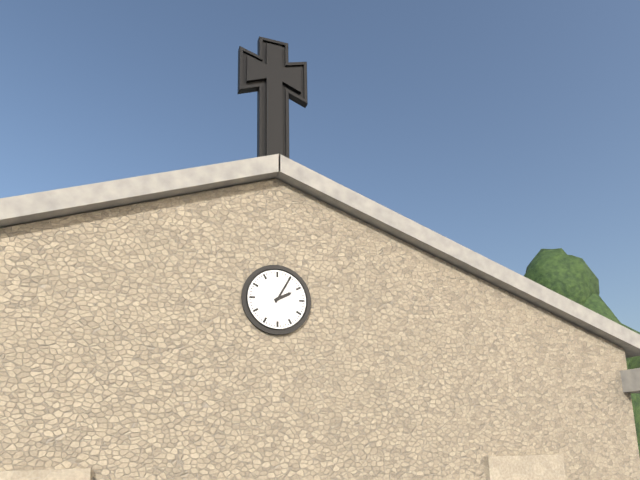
2:05
